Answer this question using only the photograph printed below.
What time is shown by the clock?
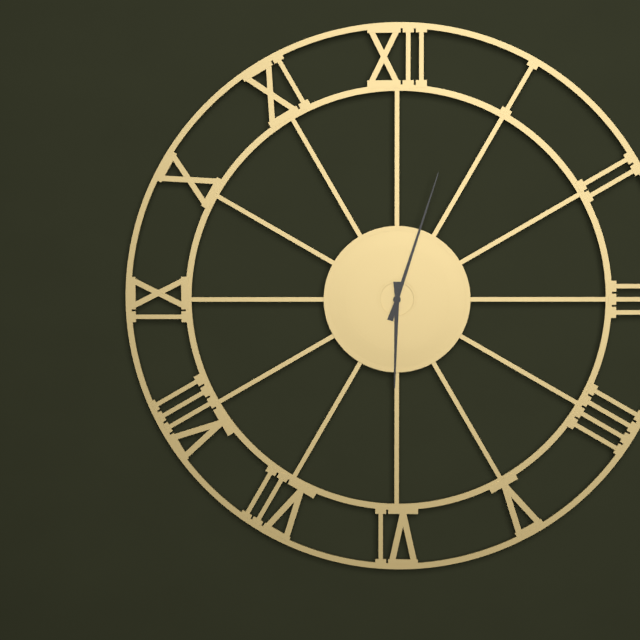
6:03
